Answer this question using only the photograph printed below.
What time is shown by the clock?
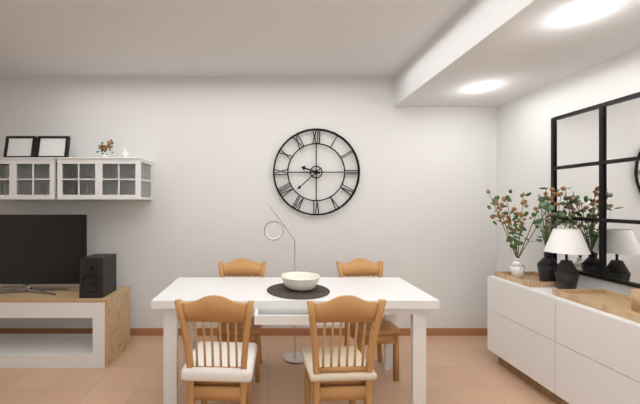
9:38
